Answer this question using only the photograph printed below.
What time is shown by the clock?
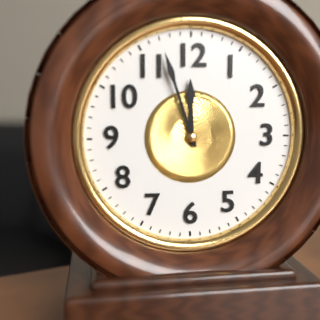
11:57
